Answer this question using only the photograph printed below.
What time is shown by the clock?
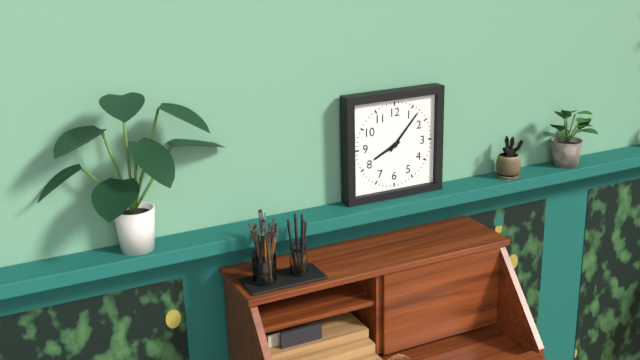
8:07
